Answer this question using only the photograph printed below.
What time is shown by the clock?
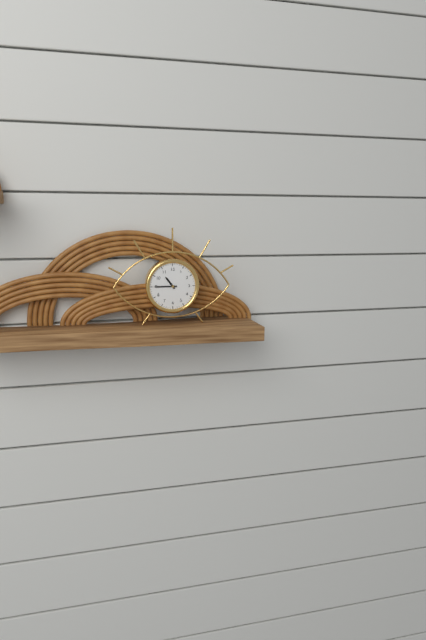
10:45
